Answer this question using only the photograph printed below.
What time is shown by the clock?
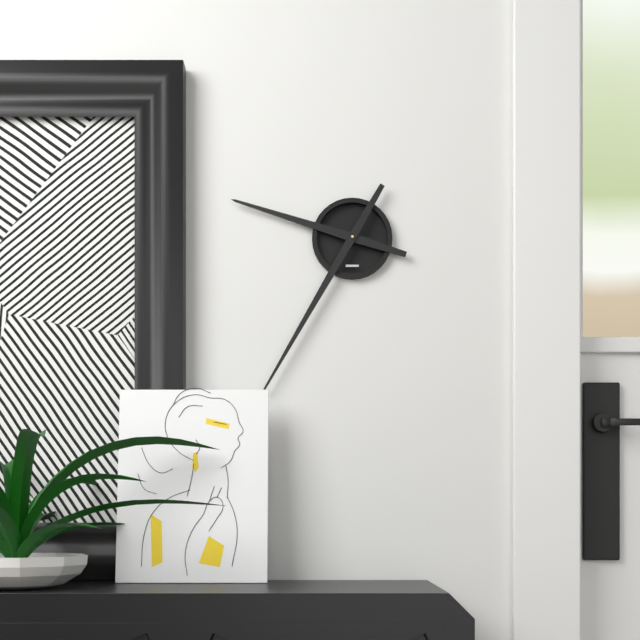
9:35
